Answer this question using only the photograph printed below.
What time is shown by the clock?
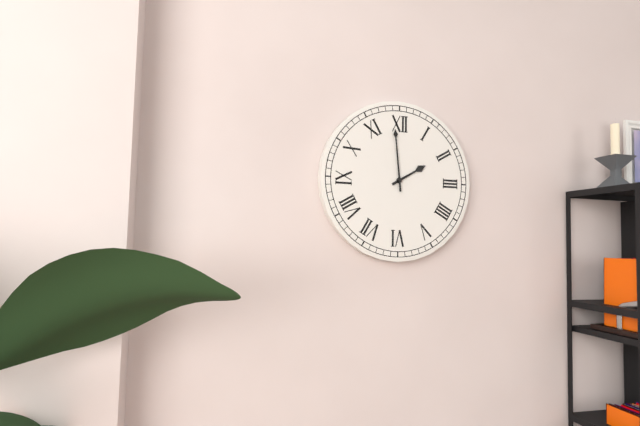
1:59
